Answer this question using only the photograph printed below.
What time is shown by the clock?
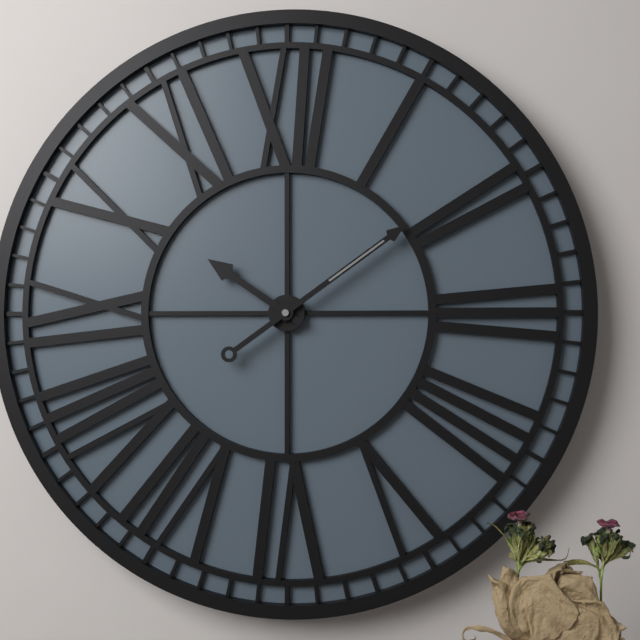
10:09
